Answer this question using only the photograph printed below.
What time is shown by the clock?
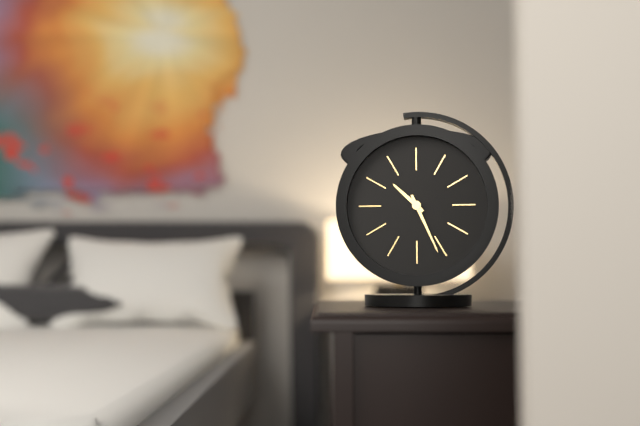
10:26
